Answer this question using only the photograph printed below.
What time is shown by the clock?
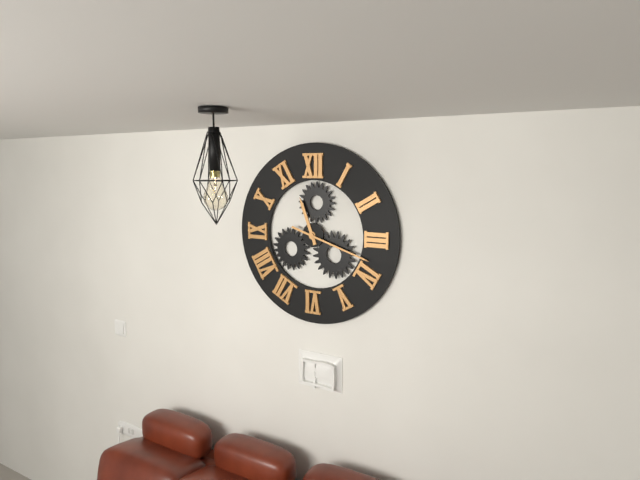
11:18
